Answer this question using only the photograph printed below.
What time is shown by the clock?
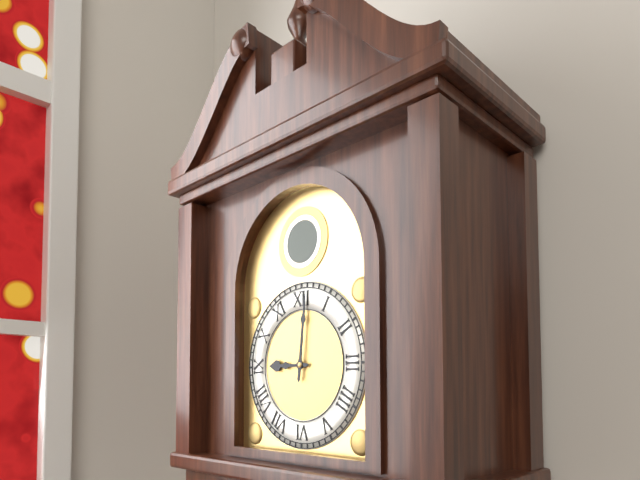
9:01
